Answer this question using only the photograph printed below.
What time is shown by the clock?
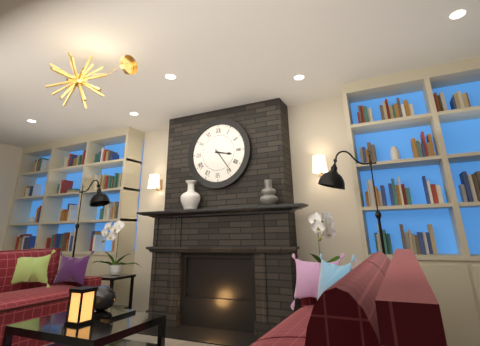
3:24
